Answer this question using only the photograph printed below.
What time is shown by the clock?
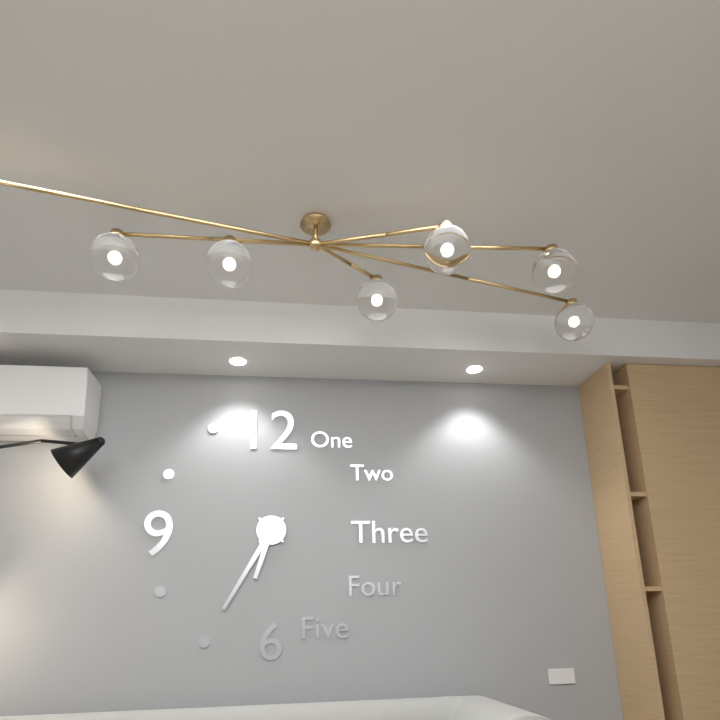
6:35
